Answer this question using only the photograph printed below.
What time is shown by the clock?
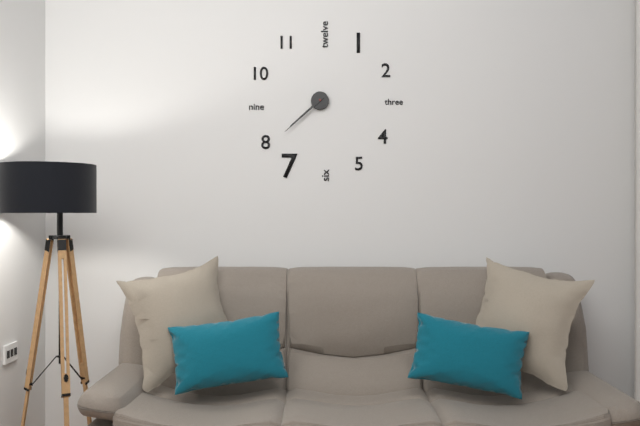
7:38
